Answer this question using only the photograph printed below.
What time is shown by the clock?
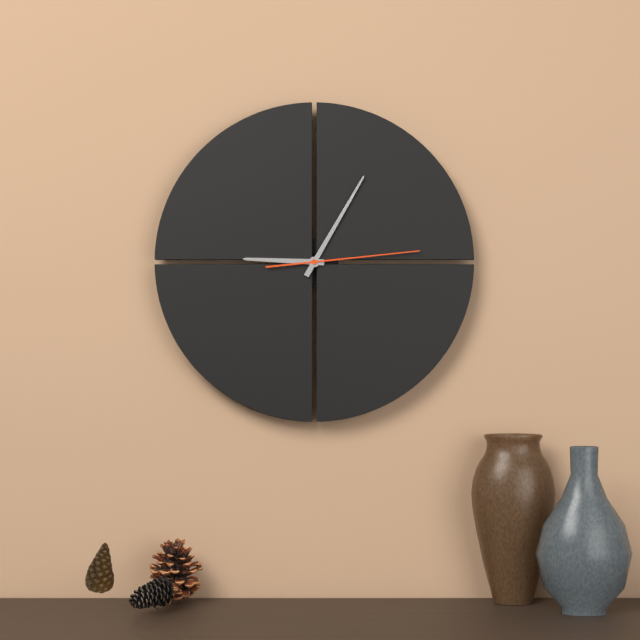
9:05:14
